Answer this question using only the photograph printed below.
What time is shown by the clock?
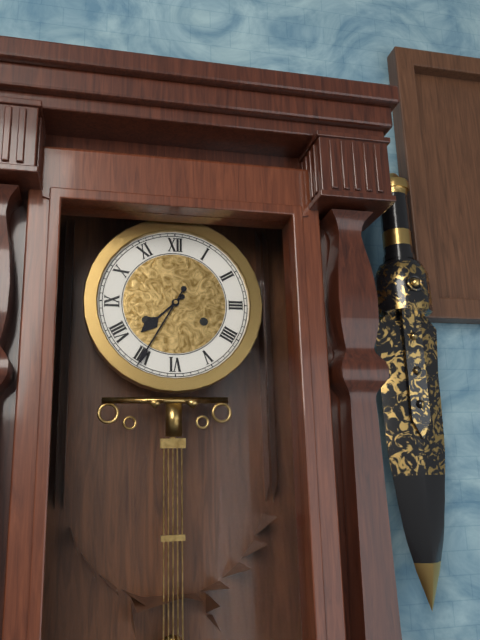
7:35
